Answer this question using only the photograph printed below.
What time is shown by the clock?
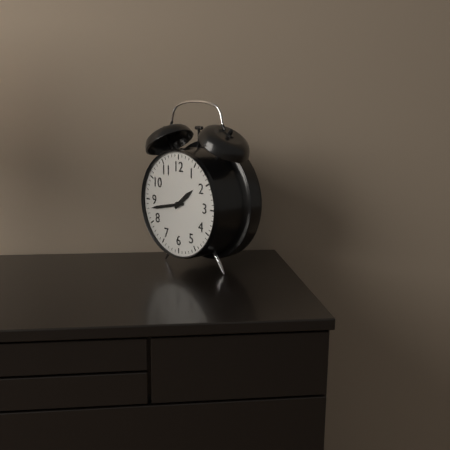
1:43
